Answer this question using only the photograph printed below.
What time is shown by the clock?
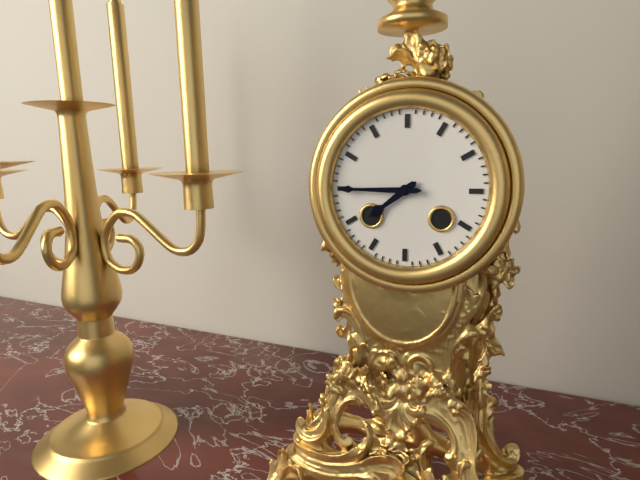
7:45
